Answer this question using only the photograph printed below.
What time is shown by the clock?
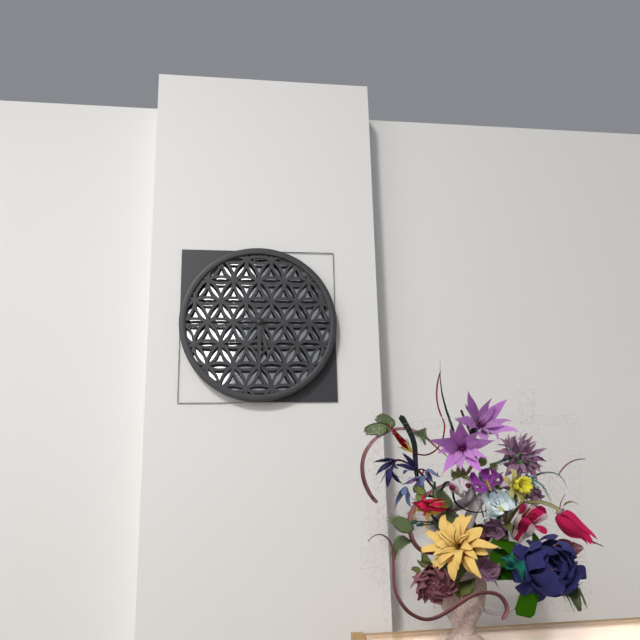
5:30
